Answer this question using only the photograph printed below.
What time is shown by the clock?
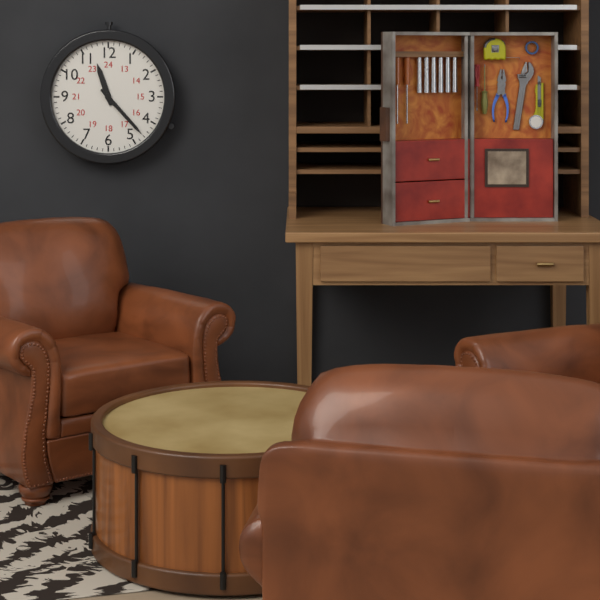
11:23
